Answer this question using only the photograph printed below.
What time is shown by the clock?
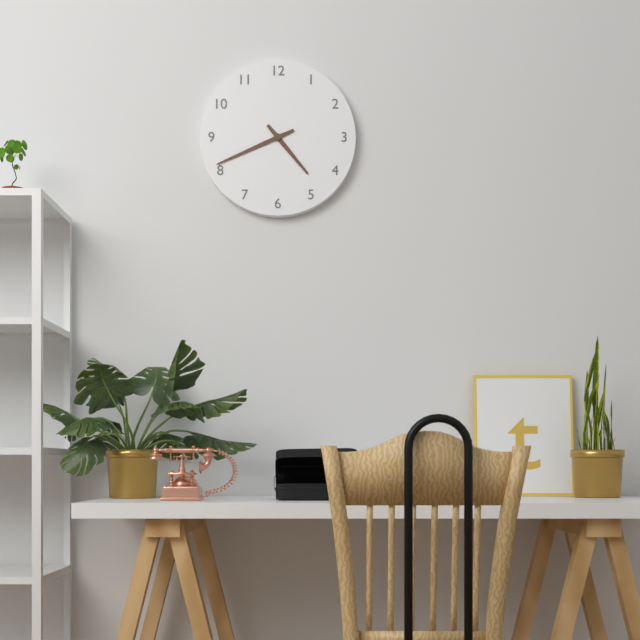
4:41
